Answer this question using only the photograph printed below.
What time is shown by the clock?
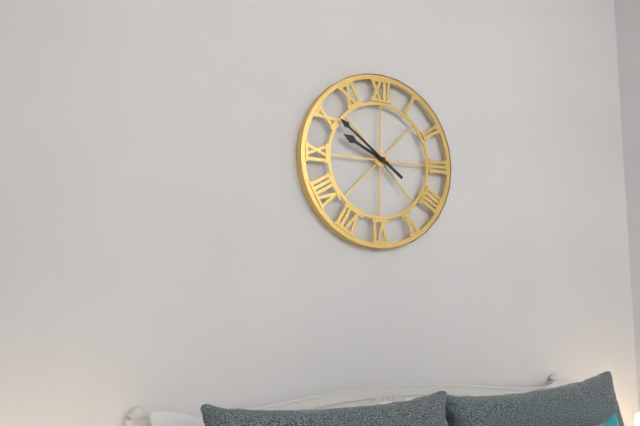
9:51
